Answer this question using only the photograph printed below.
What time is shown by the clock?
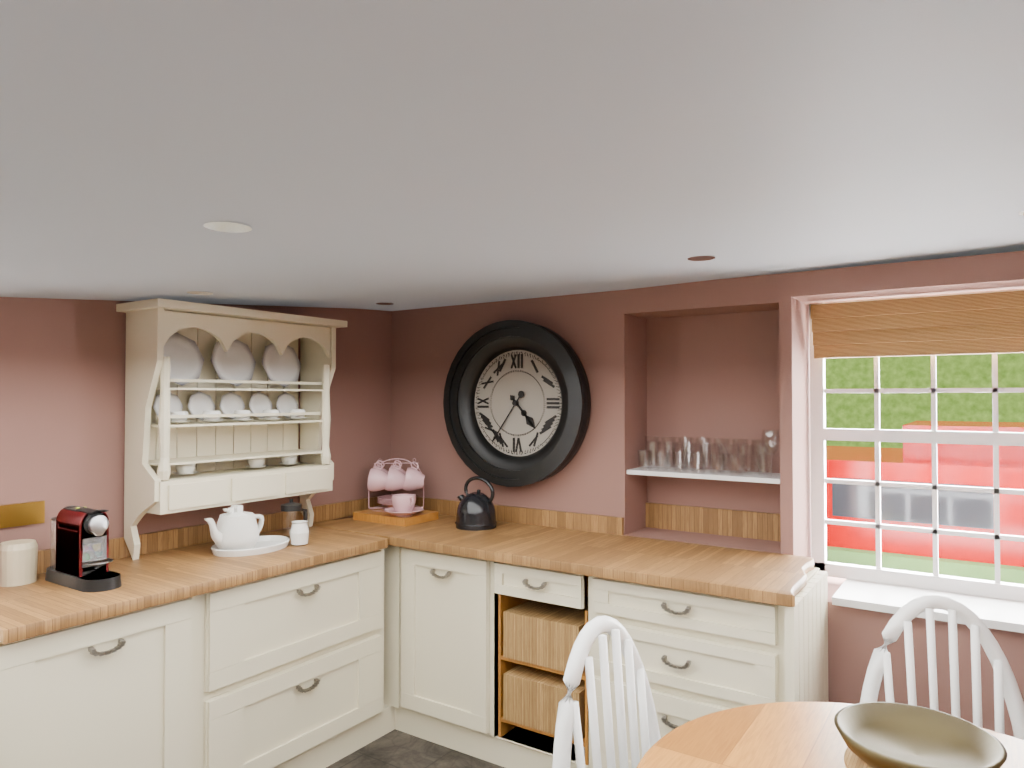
4:36
